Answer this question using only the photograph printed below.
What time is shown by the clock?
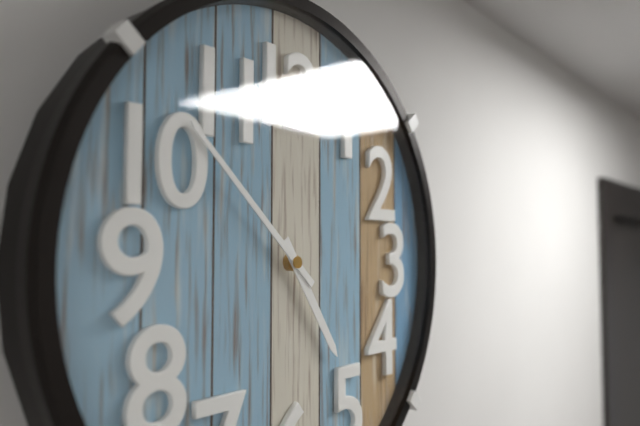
4:52
